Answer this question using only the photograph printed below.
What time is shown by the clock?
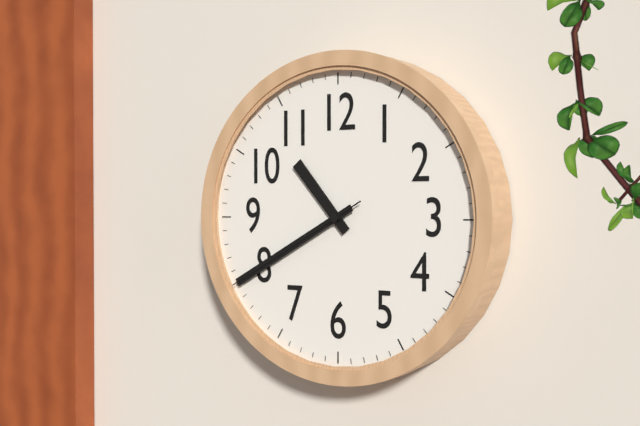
10:40:40
